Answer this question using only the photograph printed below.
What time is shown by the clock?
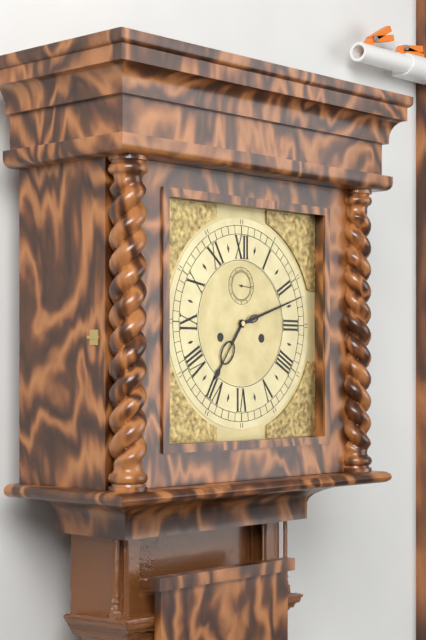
7:12
